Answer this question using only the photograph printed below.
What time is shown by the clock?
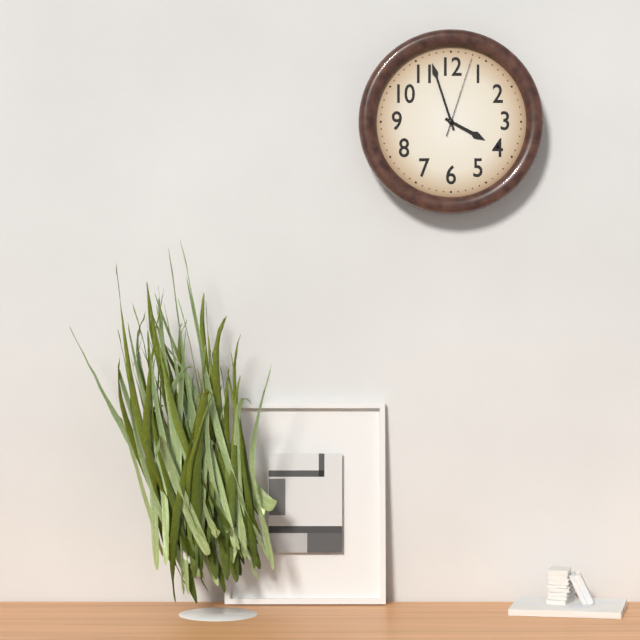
3:57:03
